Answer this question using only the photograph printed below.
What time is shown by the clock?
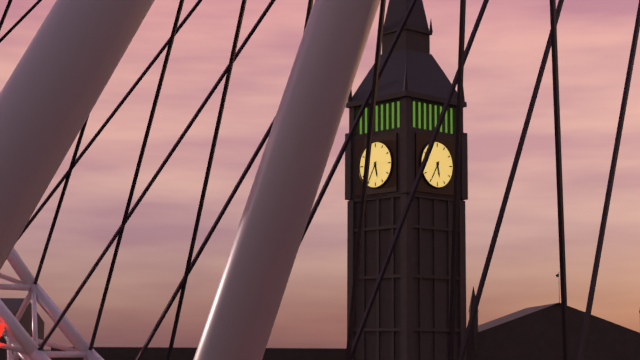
5:35
